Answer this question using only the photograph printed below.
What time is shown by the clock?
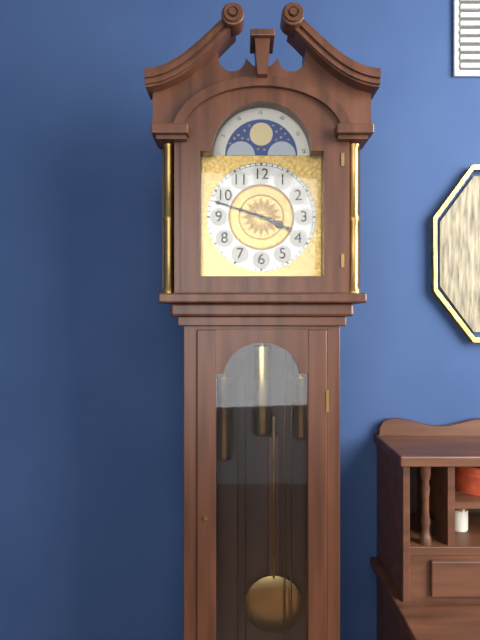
3:48
